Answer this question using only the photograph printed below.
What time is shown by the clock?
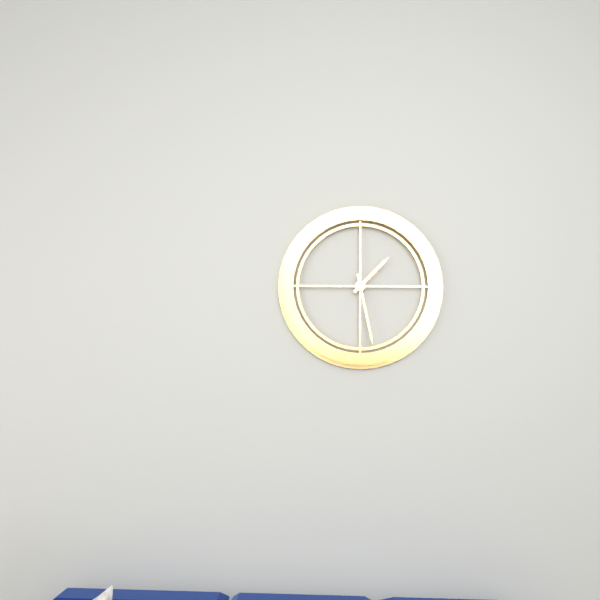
1:28
